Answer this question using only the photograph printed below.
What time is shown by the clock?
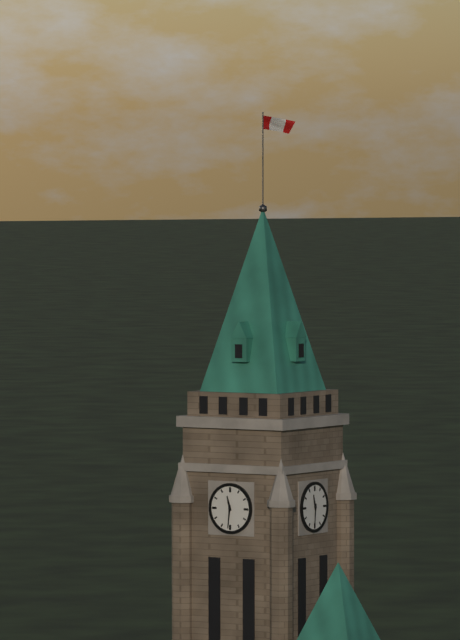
11:31
